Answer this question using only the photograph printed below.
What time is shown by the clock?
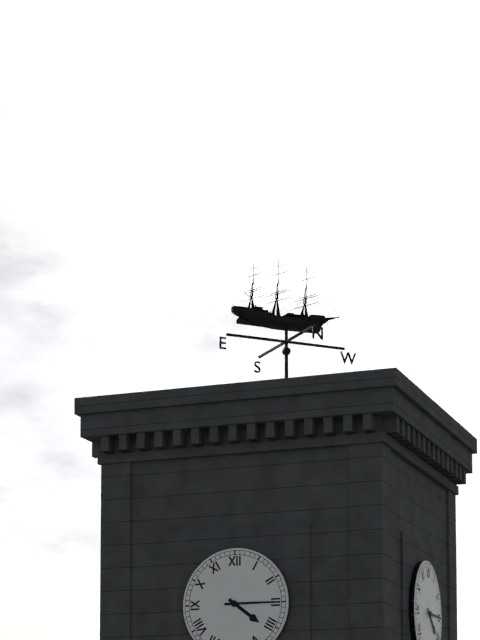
4:15
